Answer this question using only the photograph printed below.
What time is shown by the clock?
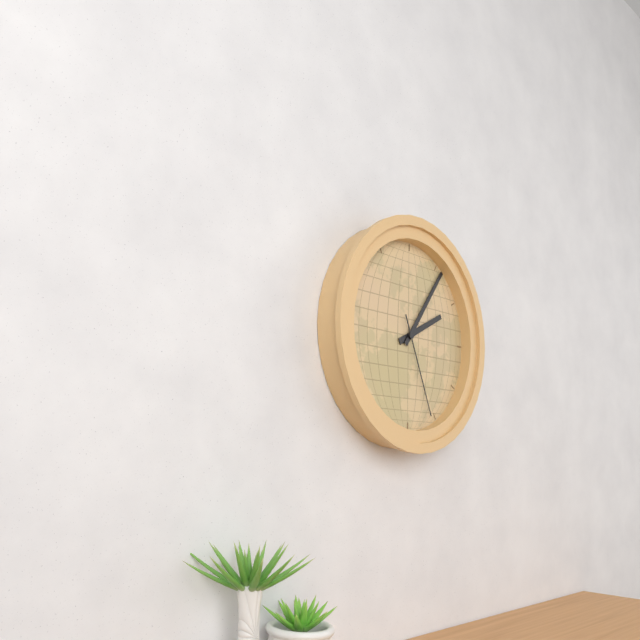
2:06:26
